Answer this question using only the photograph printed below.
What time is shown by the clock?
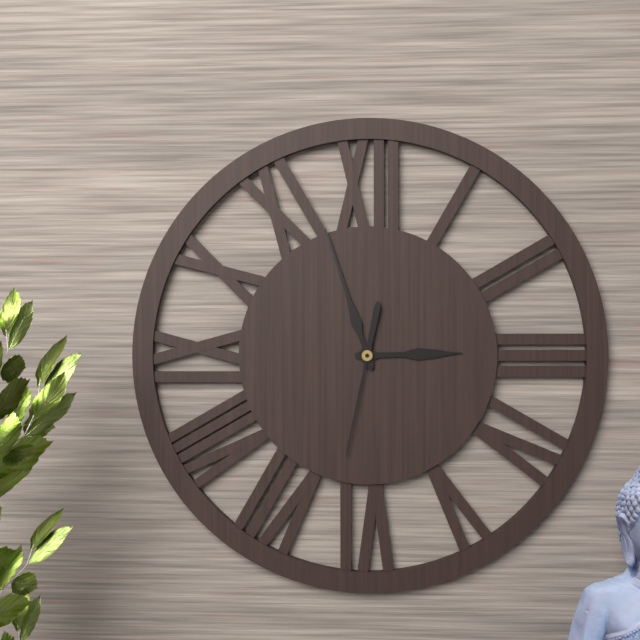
2:57:32
